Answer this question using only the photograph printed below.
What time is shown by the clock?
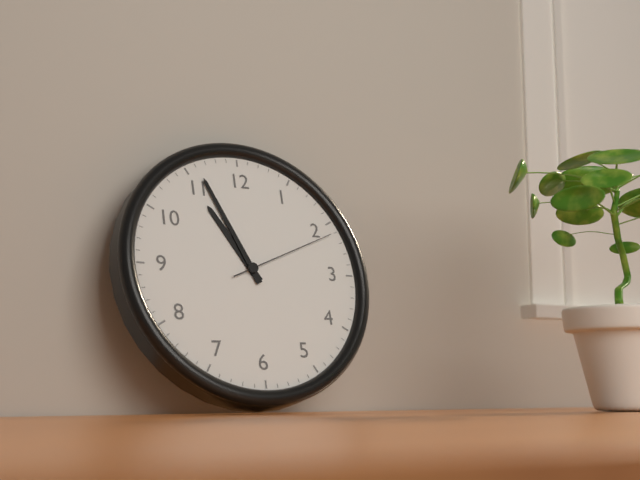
10:56:11
